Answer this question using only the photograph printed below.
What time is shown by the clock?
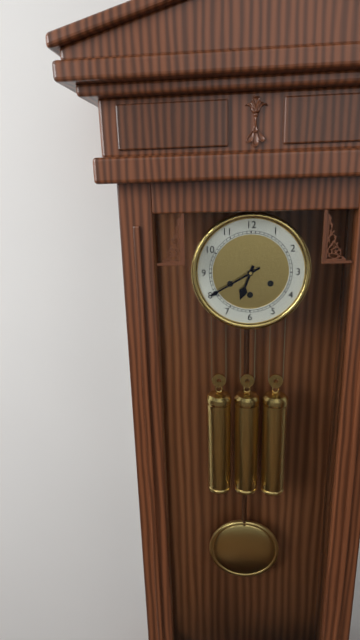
6:40
